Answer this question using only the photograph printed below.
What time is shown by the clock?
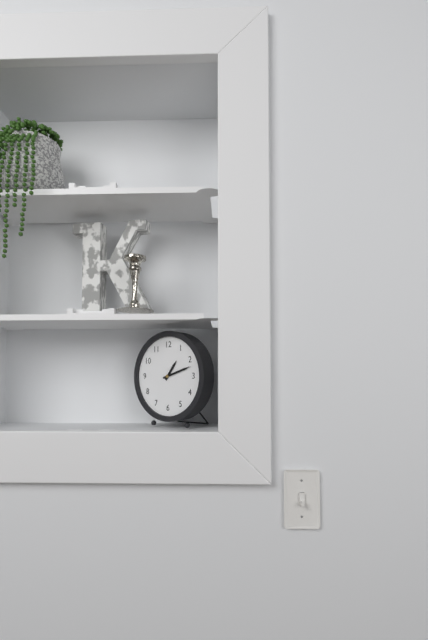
1:12
